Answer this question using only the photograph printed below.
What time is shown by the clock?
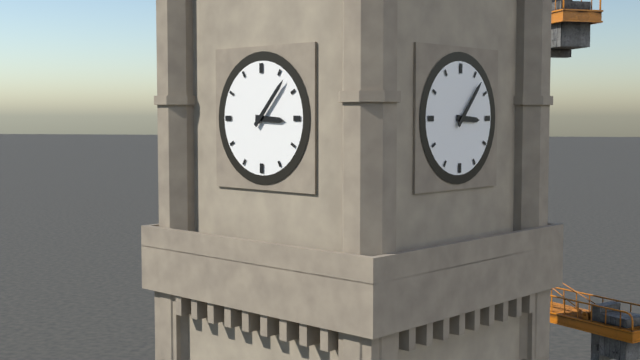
3:07
